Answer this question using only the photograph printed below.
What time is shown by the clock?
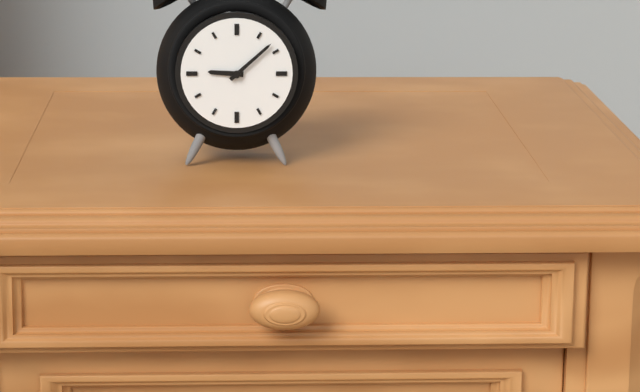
9:08
